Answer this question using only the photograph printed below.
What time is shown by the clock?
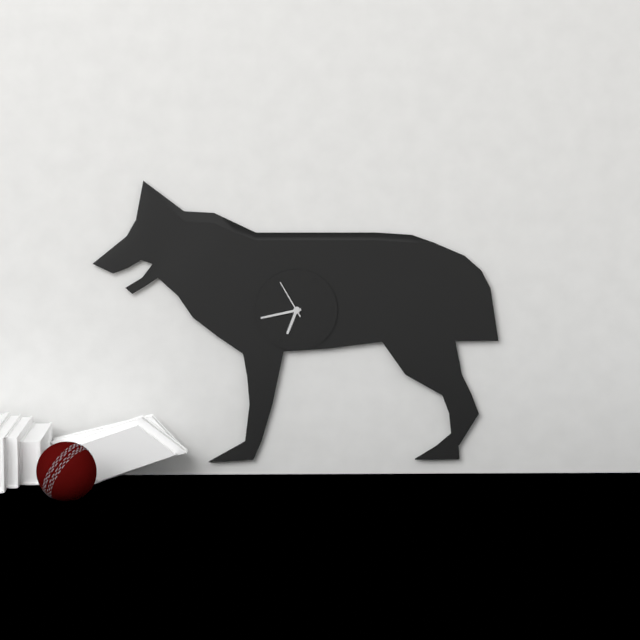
6:43
